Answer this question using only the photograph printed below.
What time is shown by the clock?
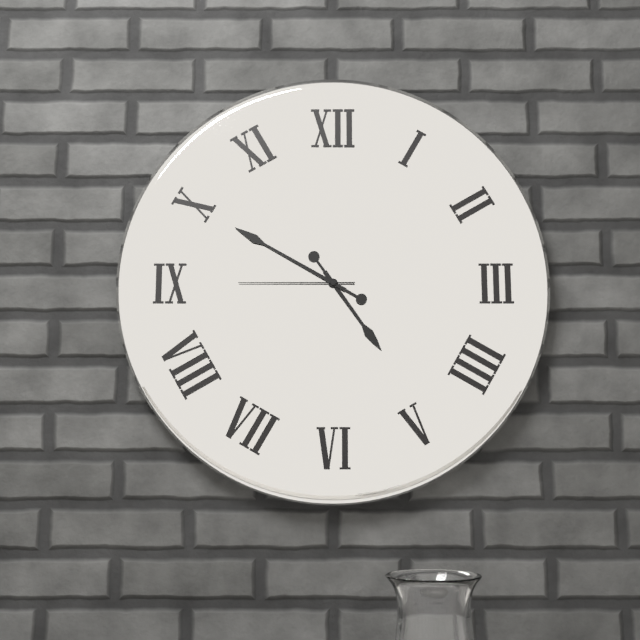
4:50:45
